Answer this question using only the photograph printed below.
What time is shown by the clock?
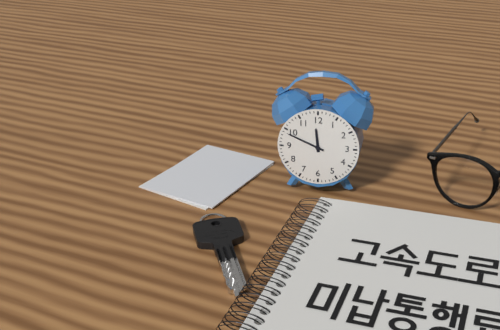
11:49
